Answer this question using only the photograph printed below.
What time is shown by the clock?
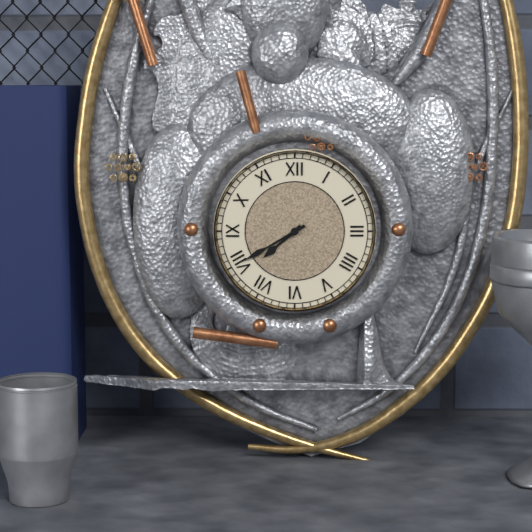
7:40
